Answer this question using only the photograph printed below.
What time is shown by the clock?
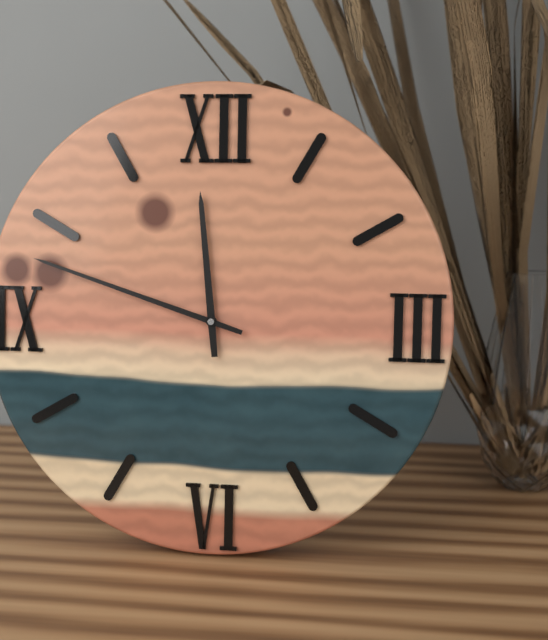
11:48
